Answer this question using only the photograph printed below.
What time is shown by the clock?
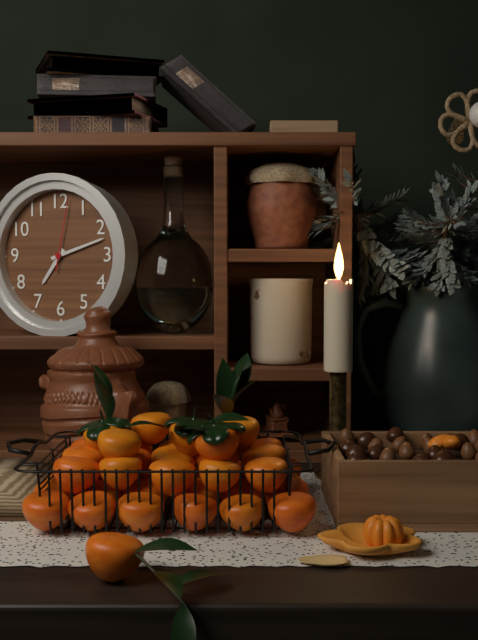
7:12:02
